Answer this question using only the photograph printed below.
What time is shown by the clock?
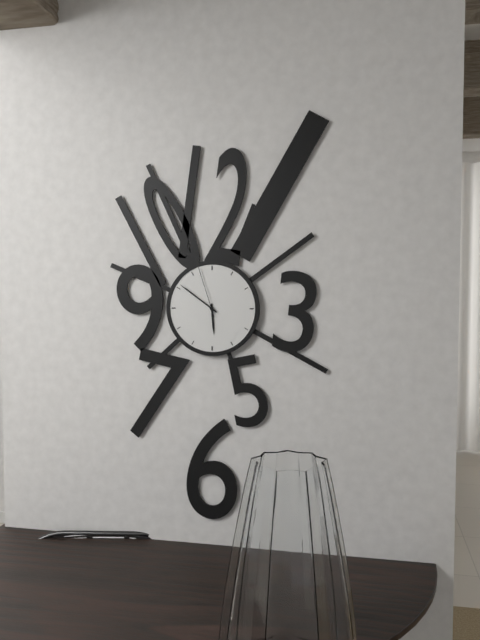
5:51:57
